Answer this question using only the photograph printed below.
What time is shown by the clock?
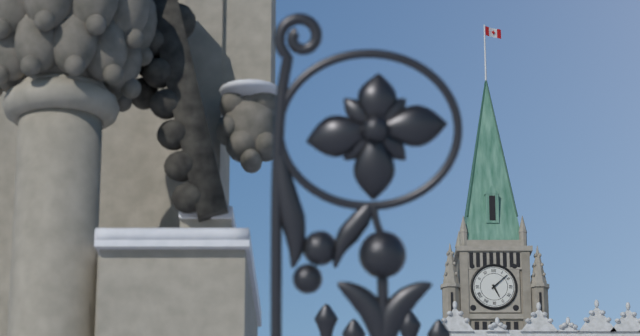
5:08
